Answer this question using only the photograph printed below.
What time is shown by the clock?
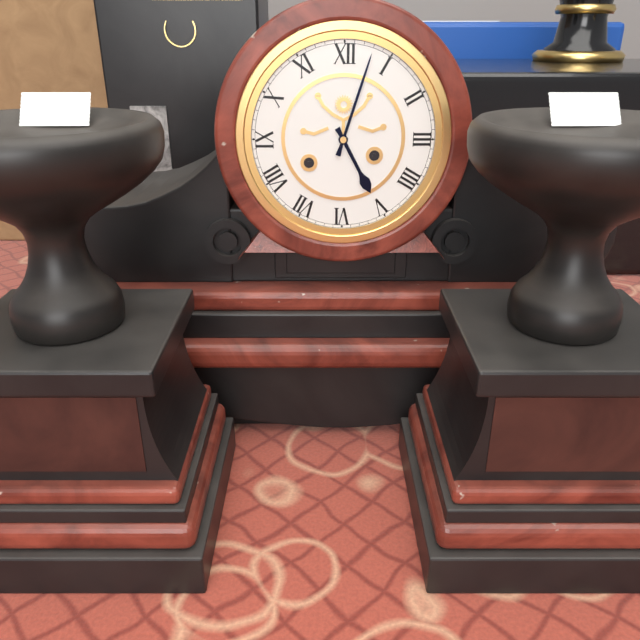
5:03
